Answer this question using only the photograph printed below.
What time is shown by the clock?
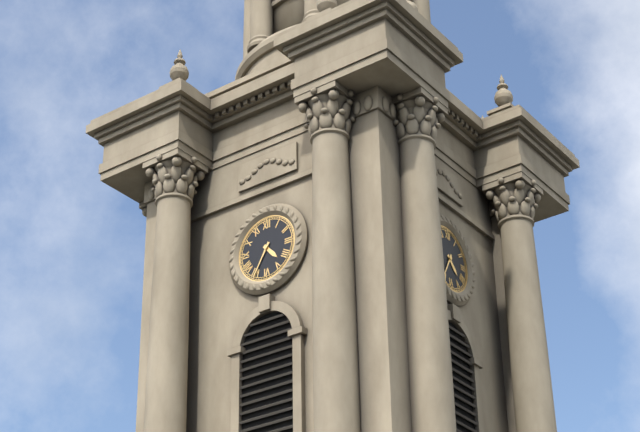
4:35
